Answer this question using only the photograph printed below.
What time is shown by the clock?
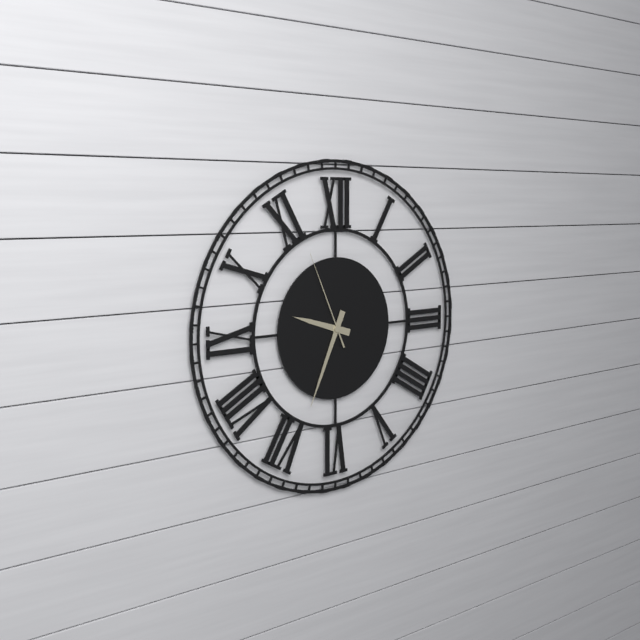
9:34:56
